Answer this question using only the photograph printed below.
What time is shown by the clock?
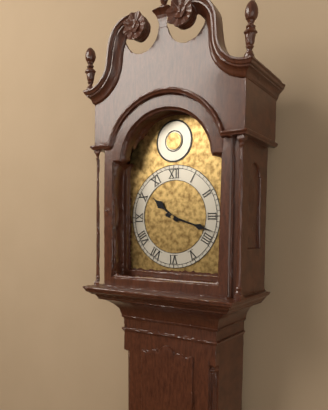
10:18
